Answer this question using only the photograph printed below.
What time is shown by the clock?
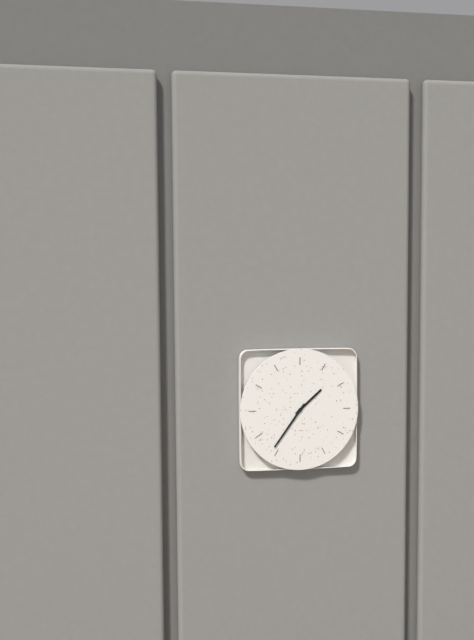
1:36
